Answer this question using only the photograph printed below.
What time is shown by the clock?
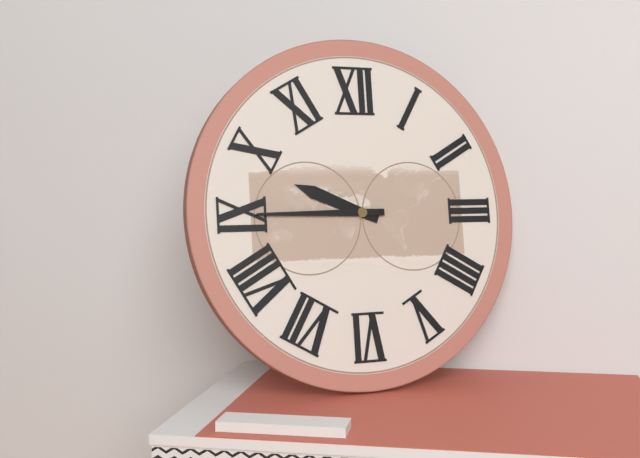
9:45
